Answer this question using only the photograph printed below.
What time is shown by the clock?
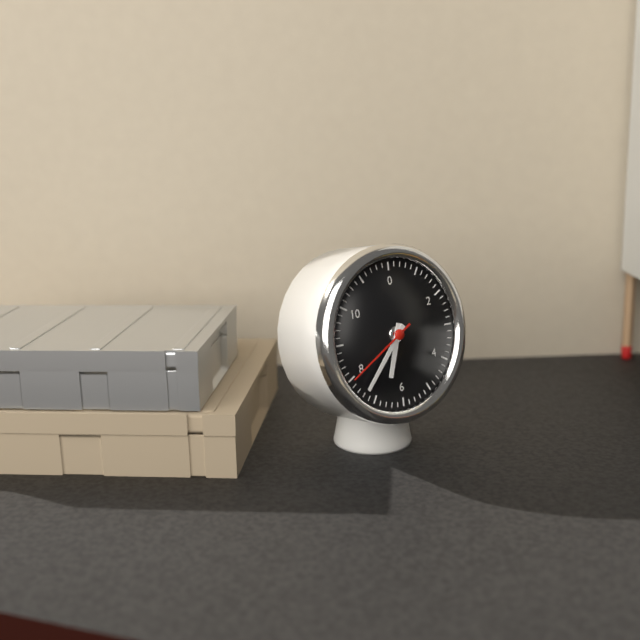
6:37:40
